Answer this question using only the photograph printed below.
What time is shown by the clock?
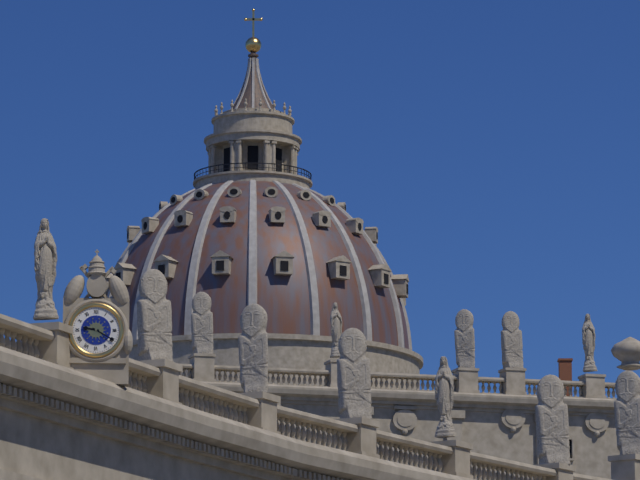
9:20
